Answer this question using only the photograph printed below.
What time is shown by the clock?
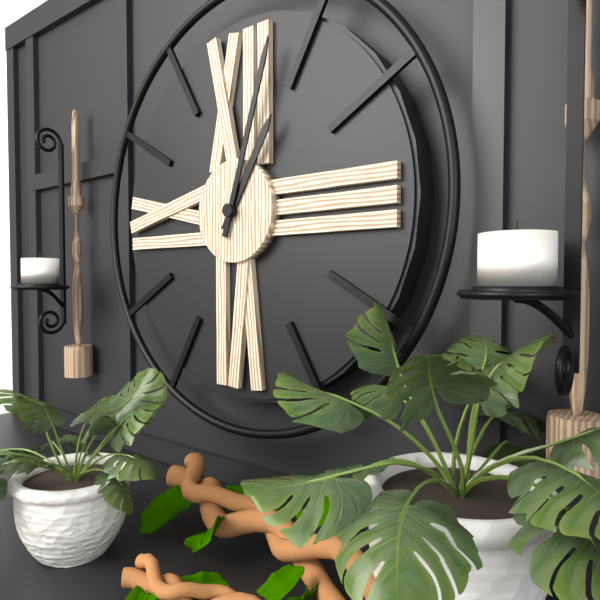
1:03
